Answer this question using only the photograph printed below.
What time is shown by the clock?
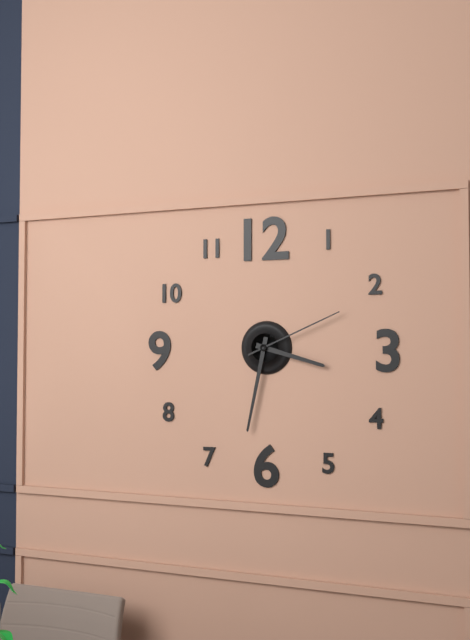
3:32:11
